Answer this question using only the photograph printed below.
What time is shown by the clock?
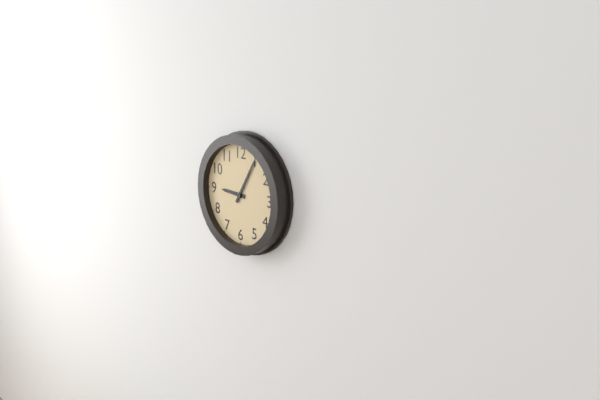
9:05
